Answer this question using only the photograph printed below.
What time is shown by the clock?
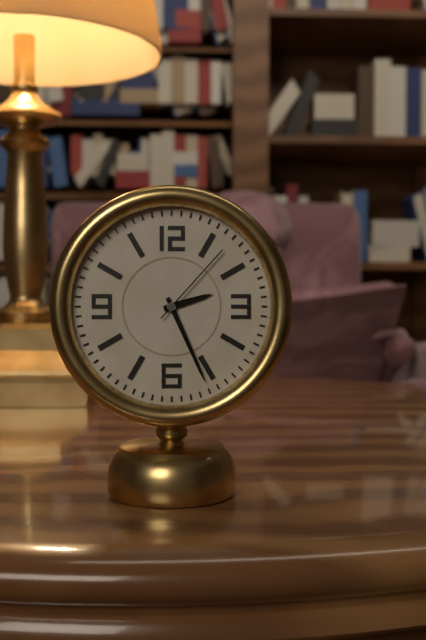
2:26:07
